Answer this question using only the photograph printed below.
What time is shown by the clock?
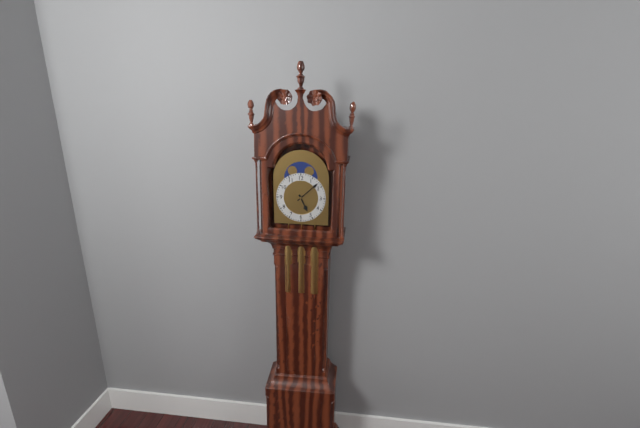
5:08
